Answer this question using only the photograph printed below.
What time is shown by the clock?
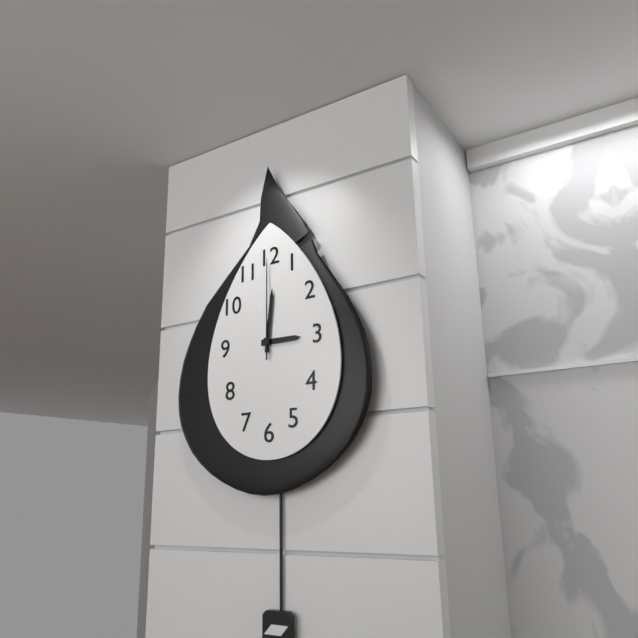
3:01:00
